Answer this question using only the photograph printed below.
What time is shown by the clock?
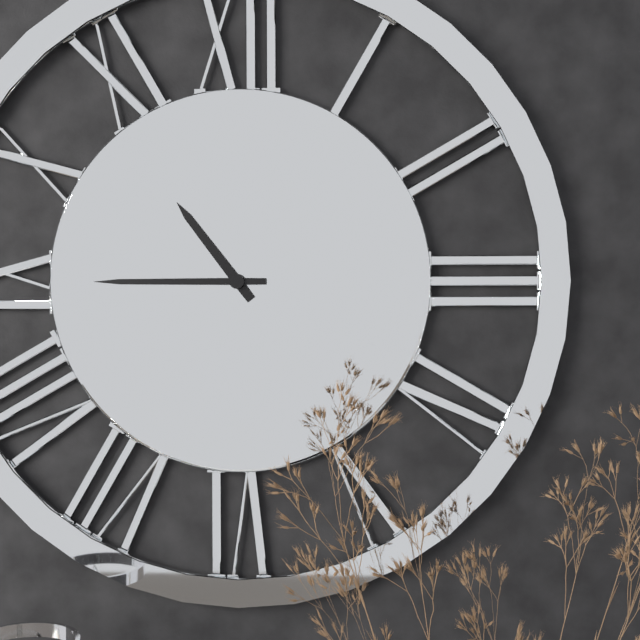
10:45
